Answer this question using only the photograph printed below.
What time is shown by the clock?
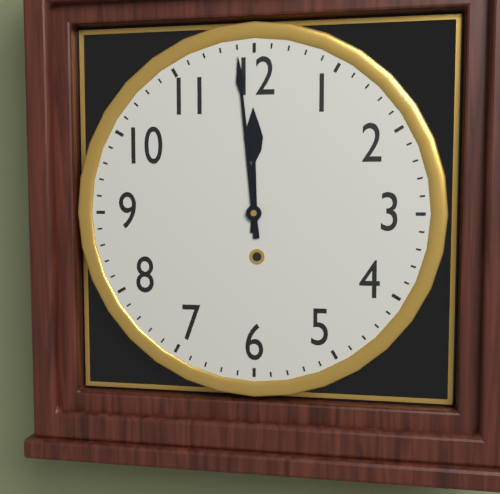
11:59
